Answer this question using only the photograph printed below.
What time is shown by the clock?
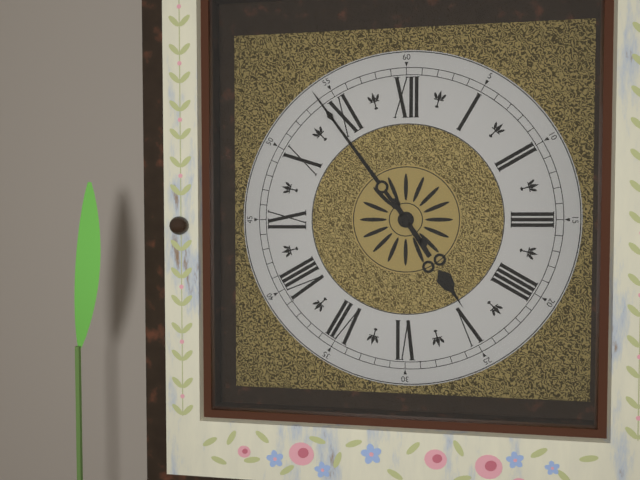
4:54
